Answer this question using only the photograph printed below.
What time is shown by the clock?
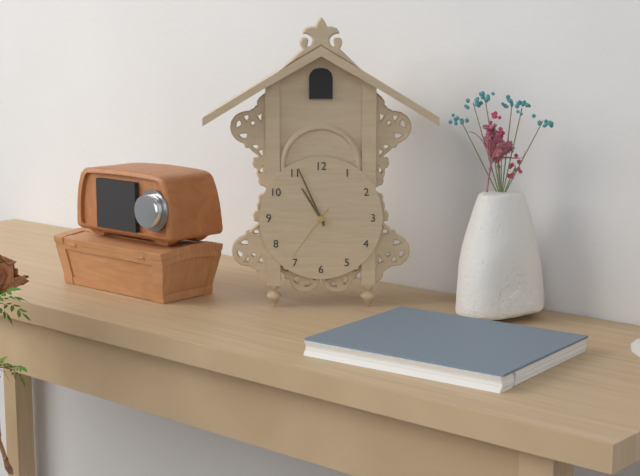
10:56:36
